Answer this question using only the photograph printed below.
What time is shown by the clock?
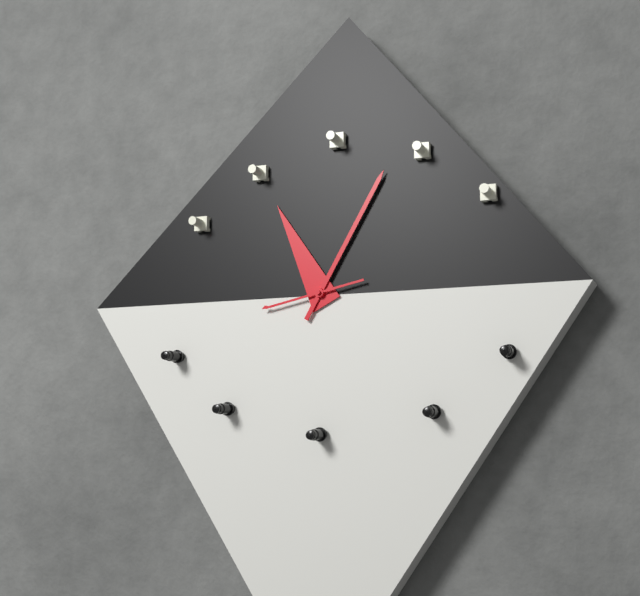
11:05:43
